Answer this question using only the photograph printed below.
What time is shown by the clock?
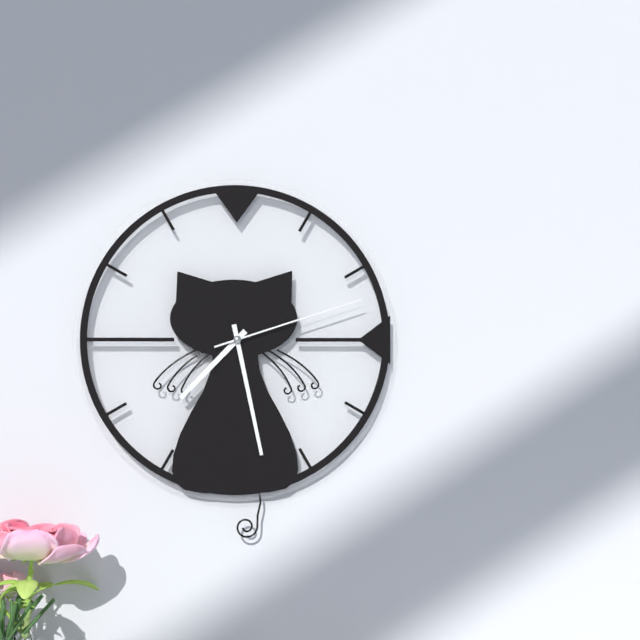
7:28:12
